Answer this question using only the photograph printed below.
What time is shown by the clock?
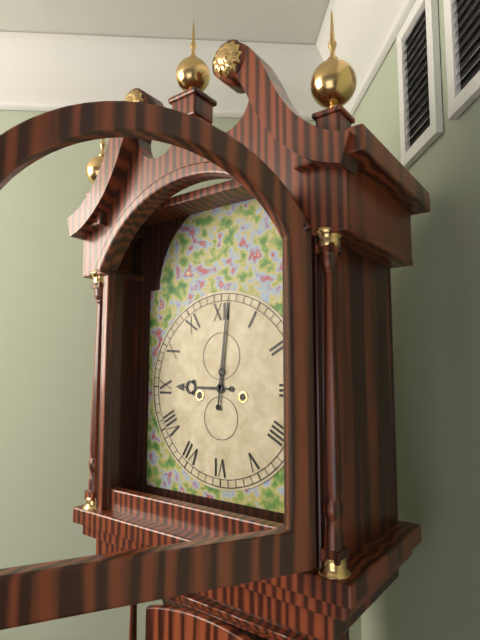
9:01
